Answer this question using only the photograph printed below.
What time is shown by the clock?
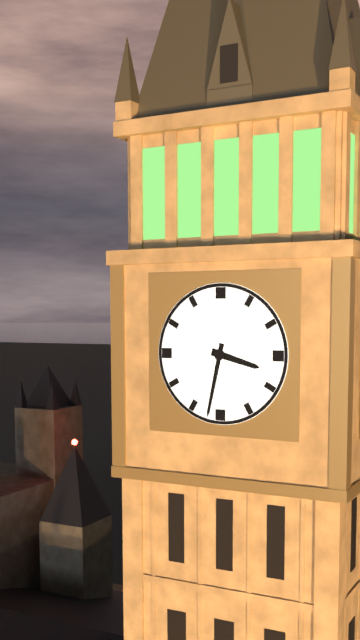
3:32
